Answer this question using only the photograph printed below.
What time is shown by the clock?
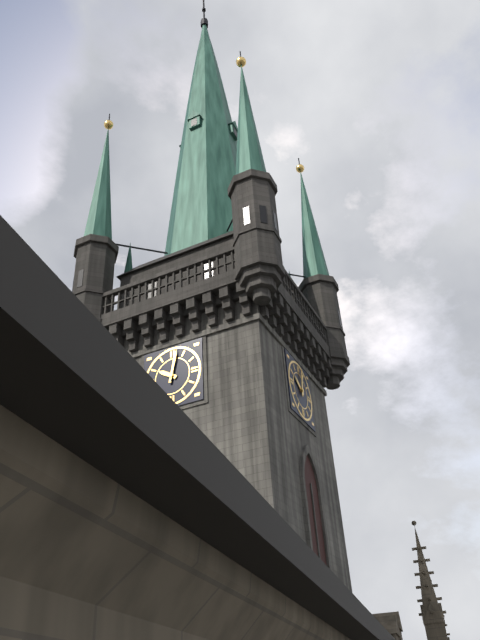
10:02
